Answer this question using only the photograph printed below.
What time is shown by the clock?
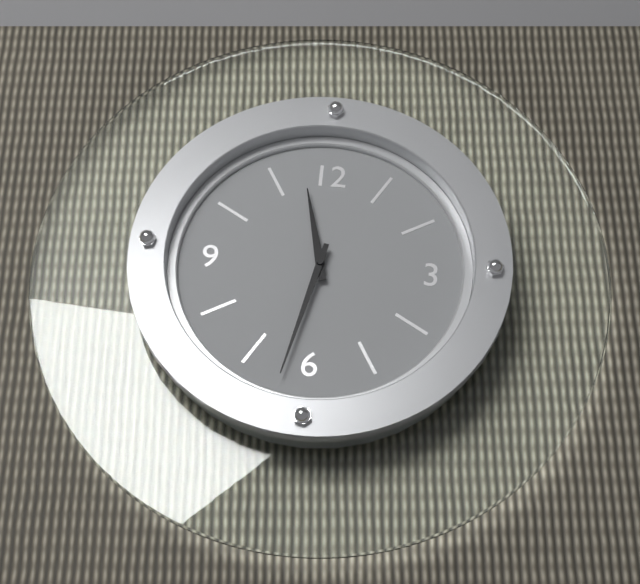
11:32
